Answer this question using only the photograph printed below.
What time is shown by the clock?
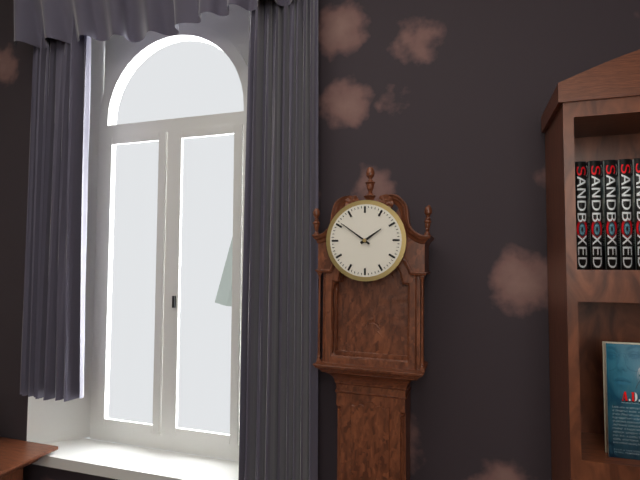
1:51
